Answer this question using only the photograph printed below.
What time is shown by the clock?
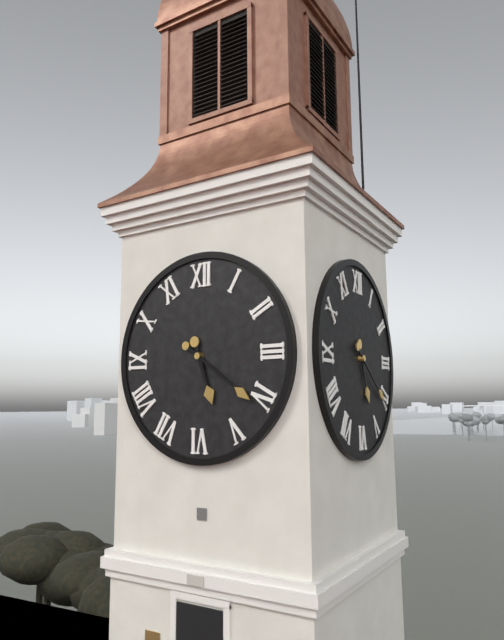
5:21
